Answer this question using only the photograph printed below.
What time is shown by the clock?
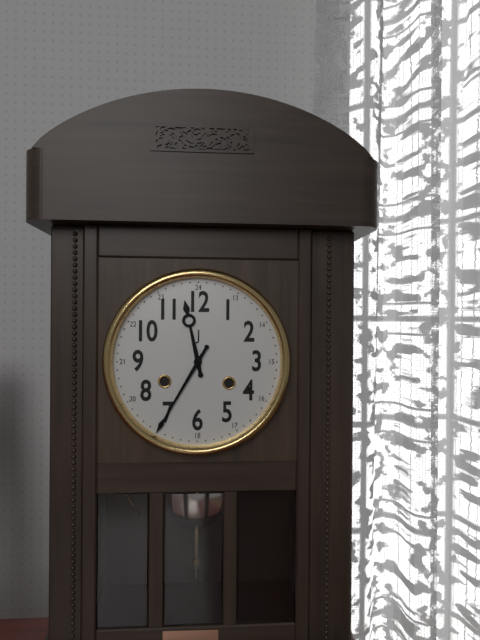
11:35
